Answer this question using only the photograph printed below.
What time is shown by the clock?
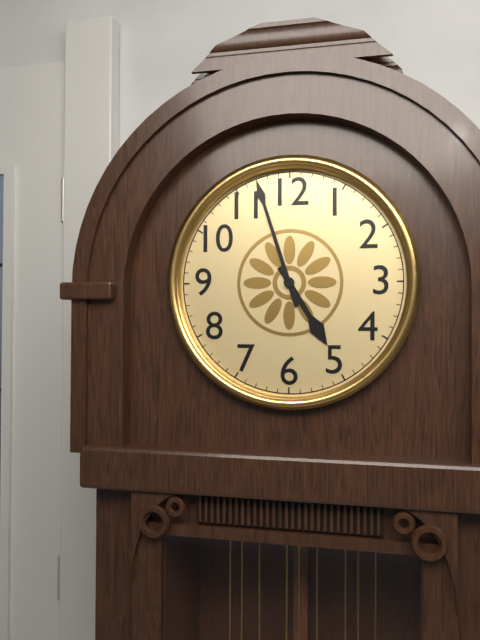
4:57
